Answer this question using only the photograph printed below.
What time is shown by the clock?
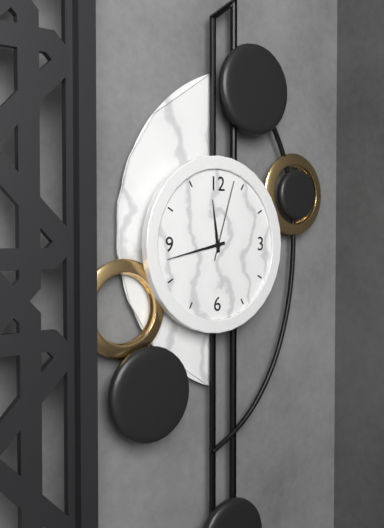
11:43:03
